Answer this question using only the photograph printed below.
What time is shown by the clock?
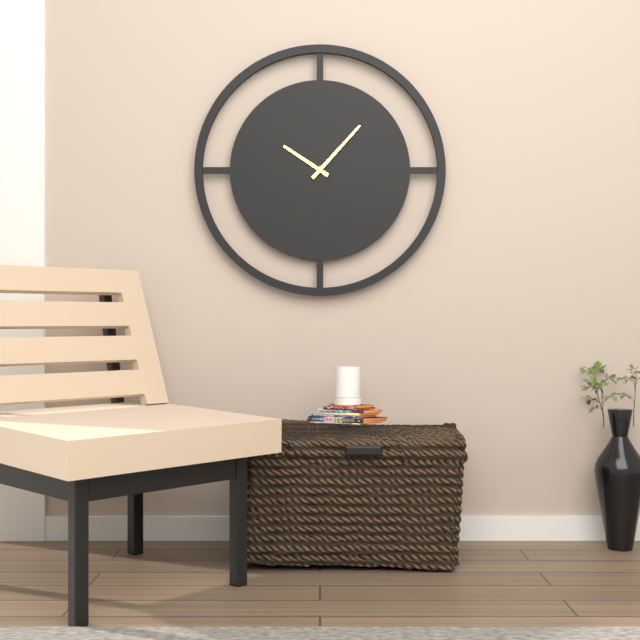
10:07
